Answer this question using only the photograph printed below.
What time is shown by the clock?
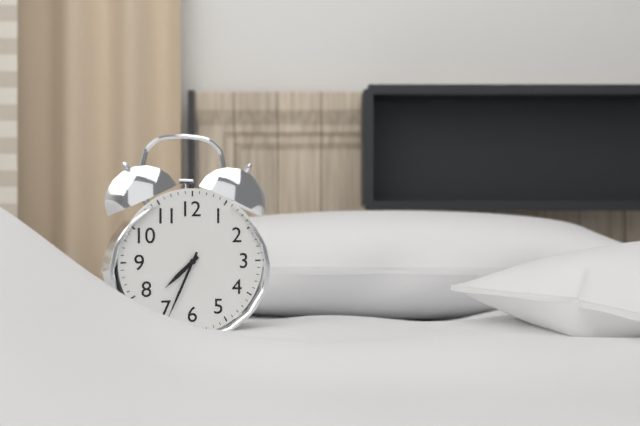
7:34
